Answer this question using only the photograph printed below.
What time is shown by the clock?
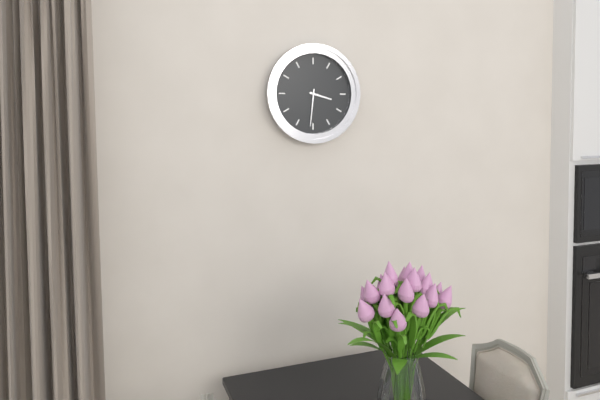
3:31
